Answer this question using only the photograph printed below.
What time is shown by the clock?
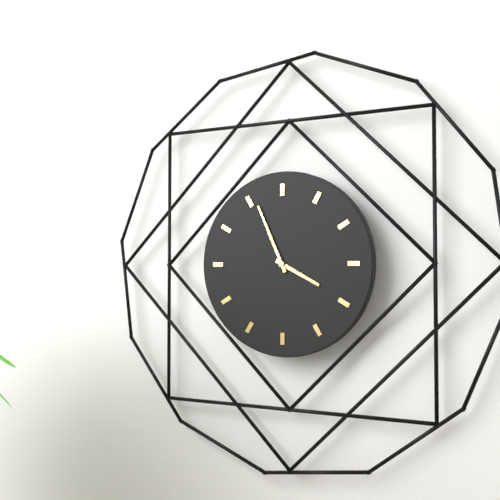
3:56
